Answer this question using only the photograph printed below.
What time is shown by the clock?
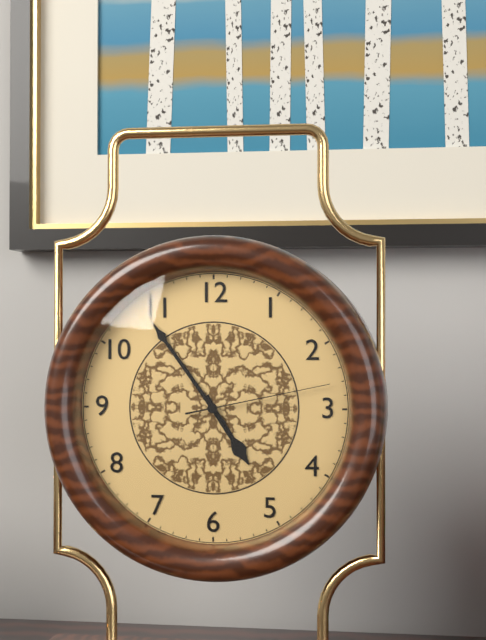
4:54:13
